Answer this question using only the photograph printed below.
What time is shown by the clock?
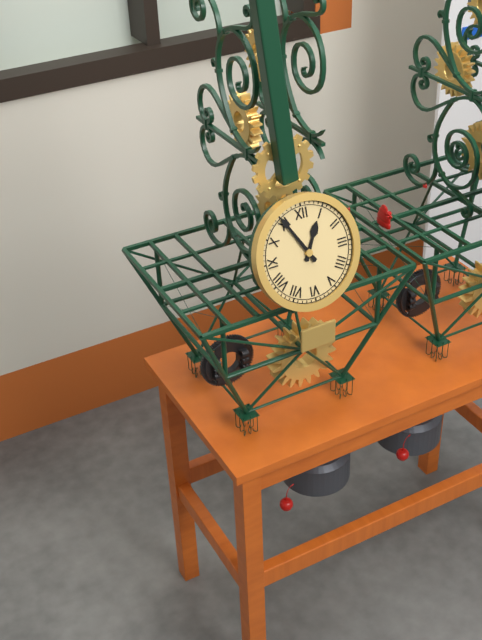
12:55
